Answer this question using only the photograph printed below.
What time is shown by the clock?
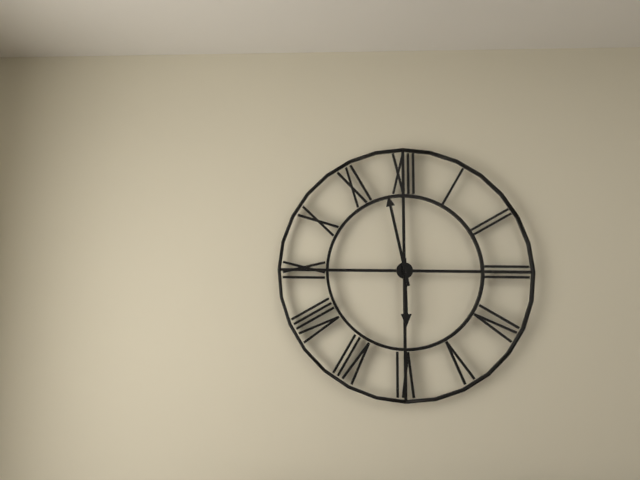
5:58
